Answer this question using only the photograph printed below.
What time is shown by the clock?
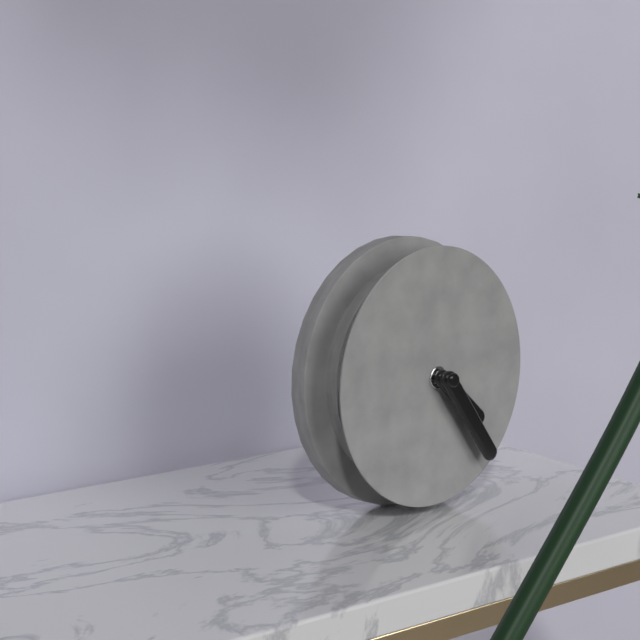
4:24
